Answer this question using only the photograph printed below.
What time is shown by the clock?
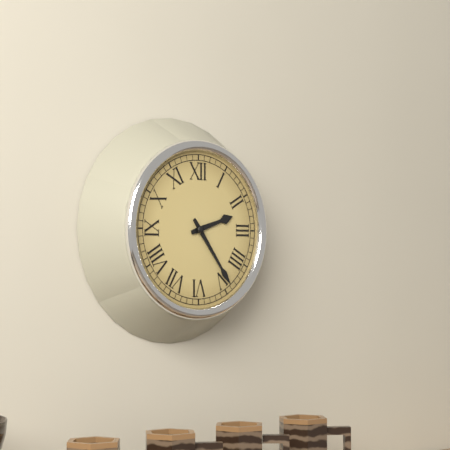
2:24
